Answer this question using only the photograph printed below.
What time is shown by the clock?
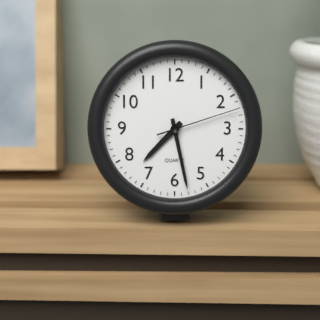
7:28:12
